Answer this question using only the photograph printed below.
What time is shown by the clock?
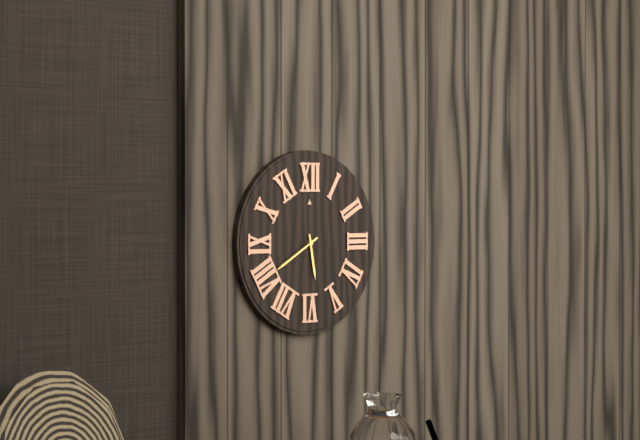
5:40
